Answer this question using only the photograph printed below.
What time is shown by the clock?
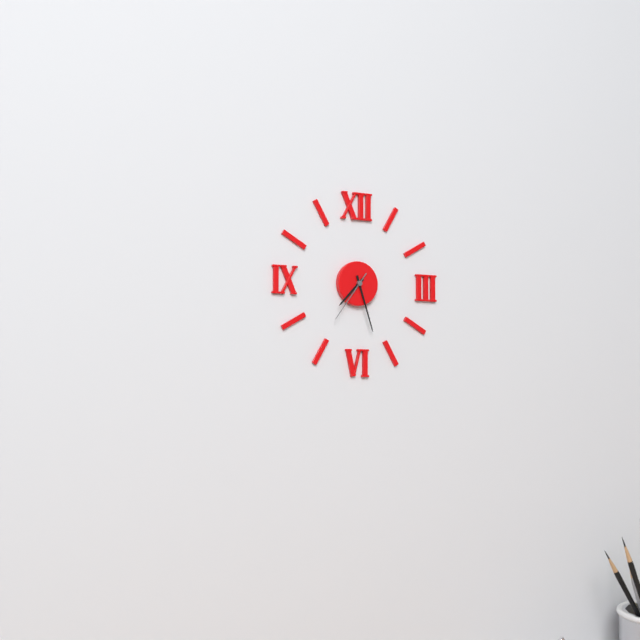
7:27:36
